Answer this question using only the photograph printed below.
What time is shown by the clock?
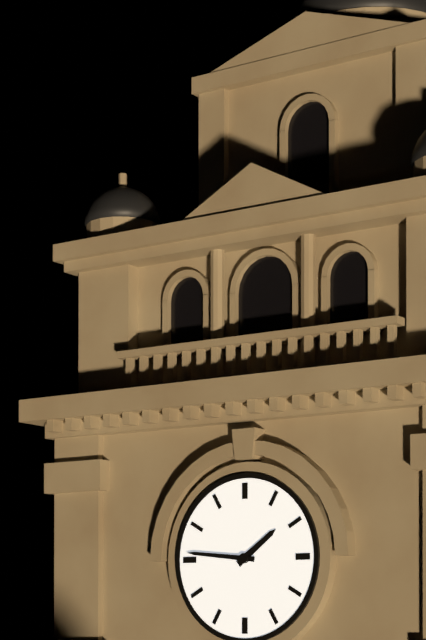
1:46
